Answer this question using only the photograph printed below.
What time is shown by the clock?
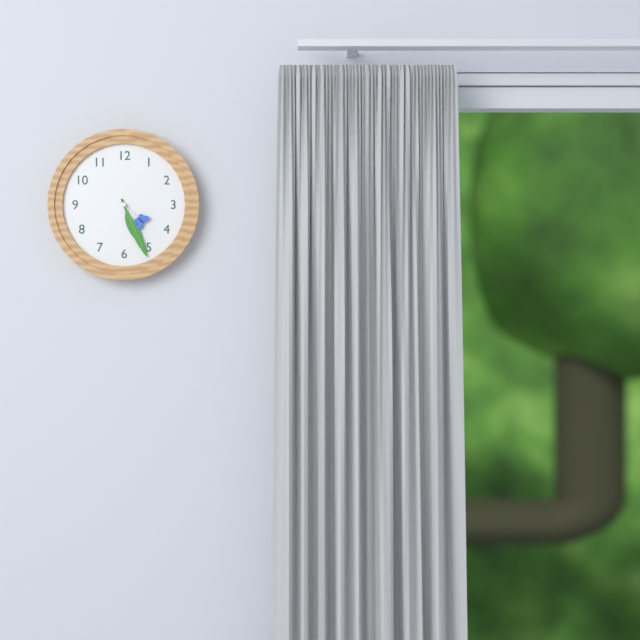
5:26
